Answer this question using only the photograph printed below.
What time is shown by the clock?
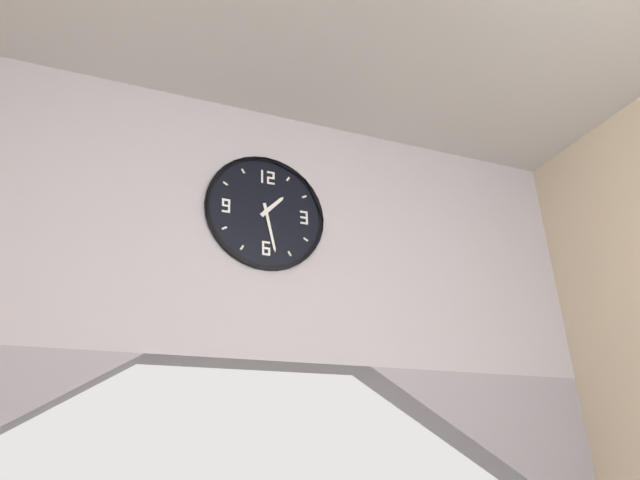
1:28
